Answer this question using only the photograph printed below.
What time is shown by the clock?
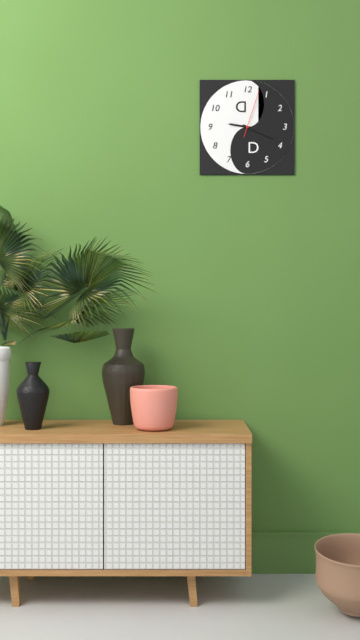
9:19
